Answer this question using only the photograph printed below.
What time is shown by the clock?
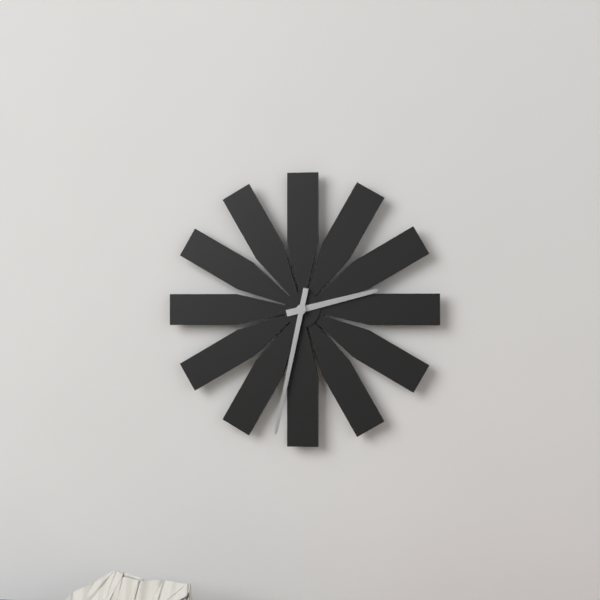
2:32
